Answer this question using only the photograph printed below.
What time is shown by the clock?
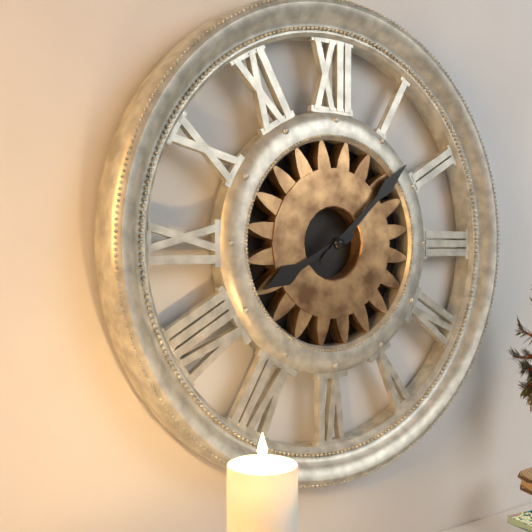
8:08
